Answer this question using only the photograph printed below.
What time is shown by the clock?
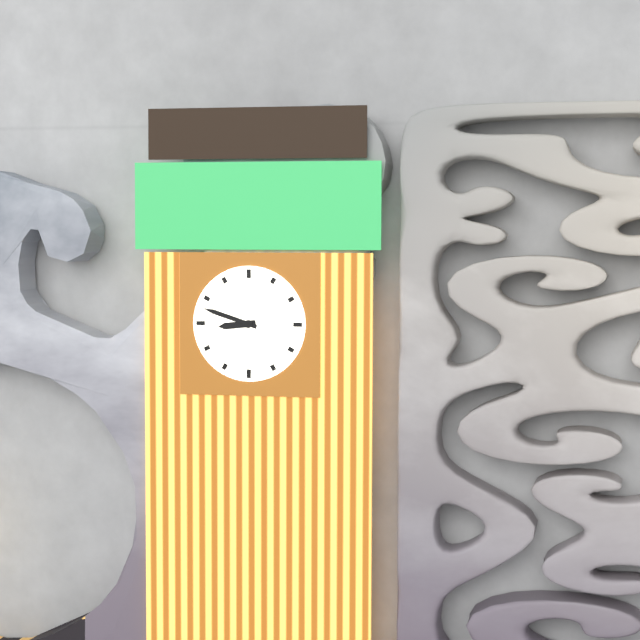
8:48
